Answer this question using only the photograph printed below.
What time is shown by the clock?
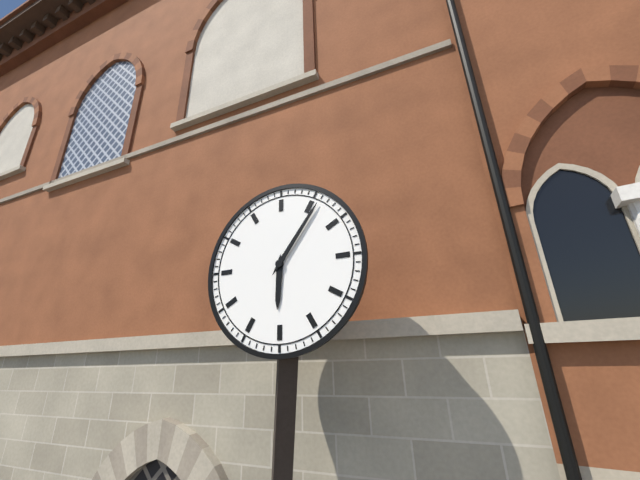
6:06
